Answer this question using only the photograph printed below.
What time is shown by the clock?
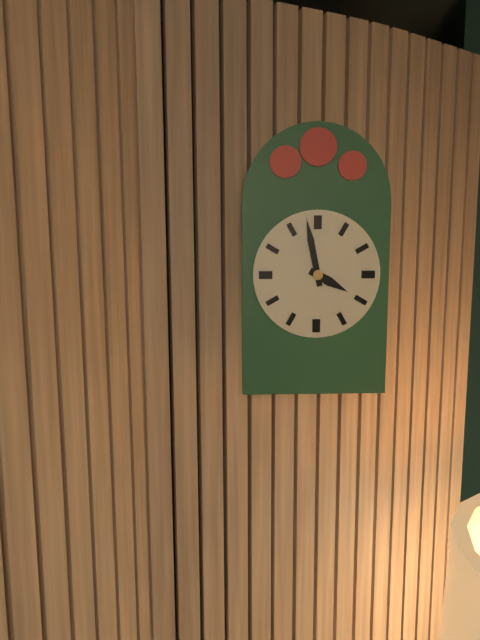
3:58
